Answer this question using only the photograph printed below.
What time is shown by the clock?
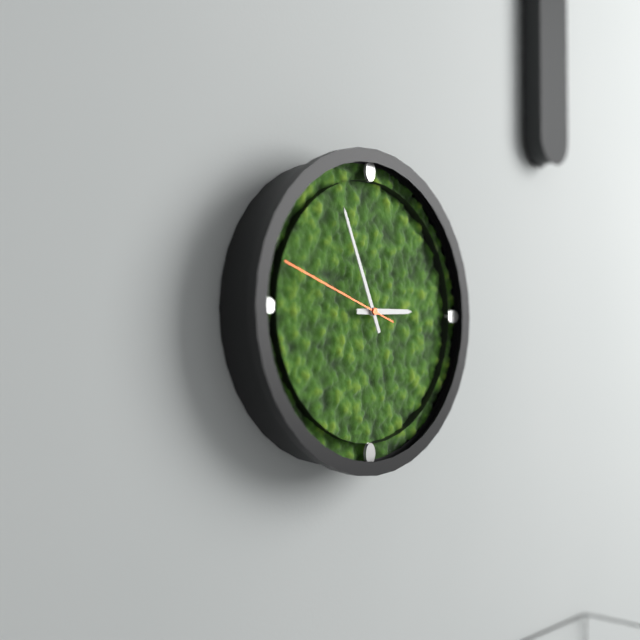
2:56:48
